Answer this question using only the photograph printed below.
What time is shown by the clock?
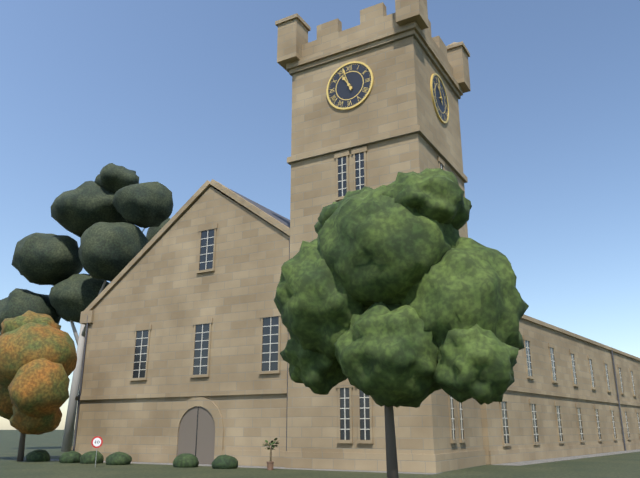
10:57
